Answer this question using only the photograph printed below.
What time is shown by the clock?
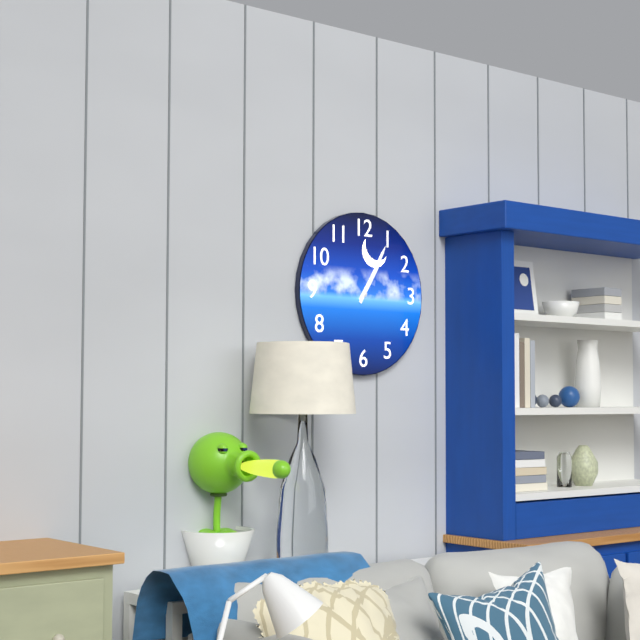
1:05
